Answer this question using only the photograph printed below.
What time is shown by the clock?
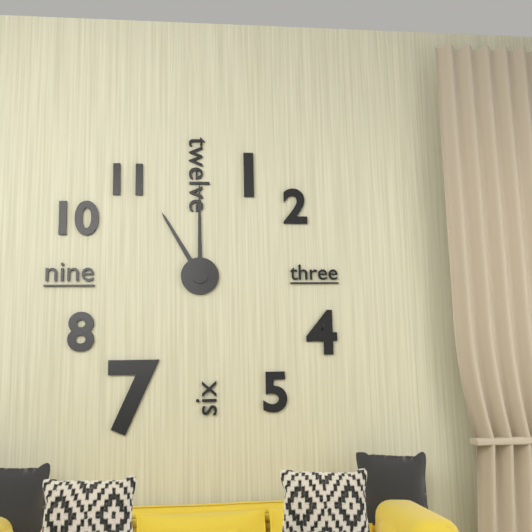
11:00
